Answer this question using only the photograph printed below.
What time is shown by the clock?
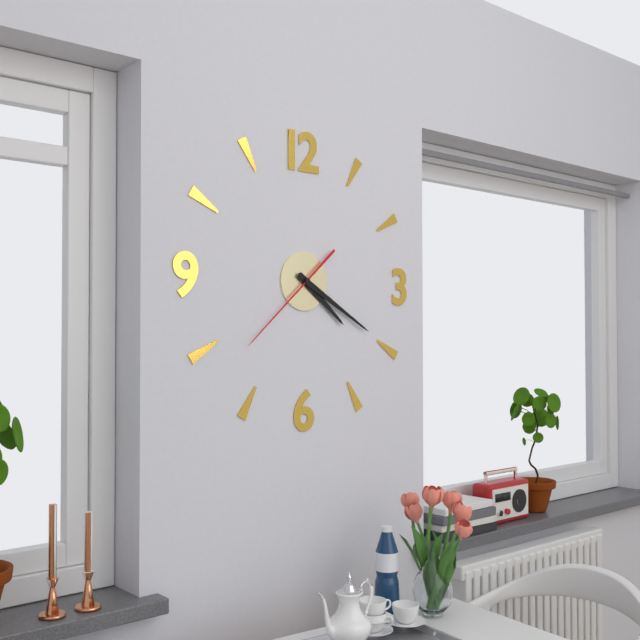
4:20:38
